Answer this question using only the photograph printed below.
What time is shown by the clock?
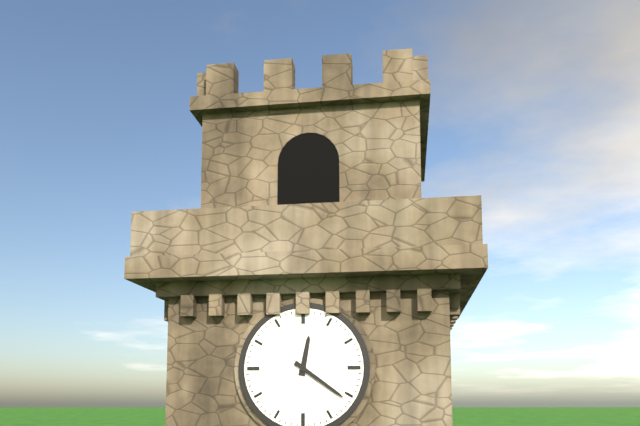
12:21
